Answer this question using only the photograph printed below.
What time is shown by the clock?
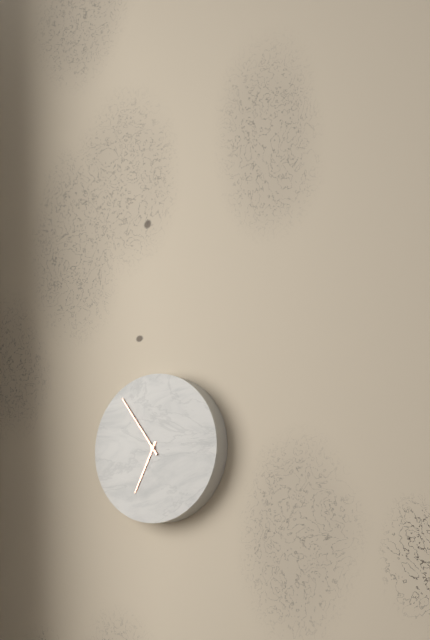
6:54
